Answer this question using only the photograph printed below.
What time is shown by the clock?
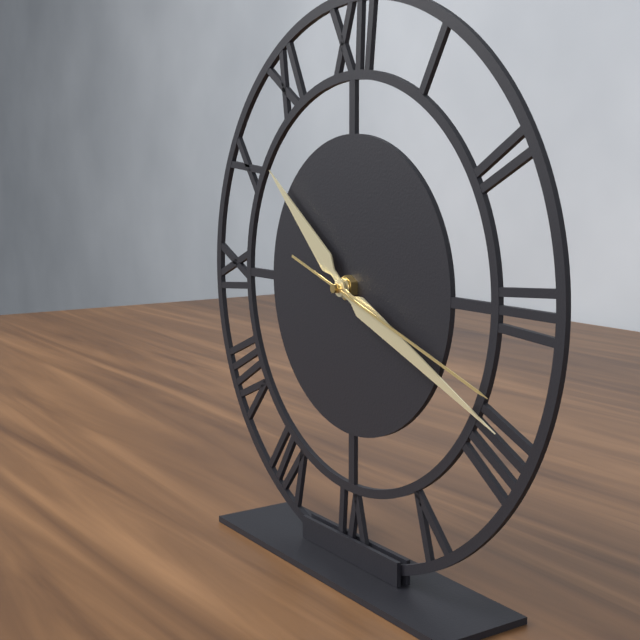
10:19:18
